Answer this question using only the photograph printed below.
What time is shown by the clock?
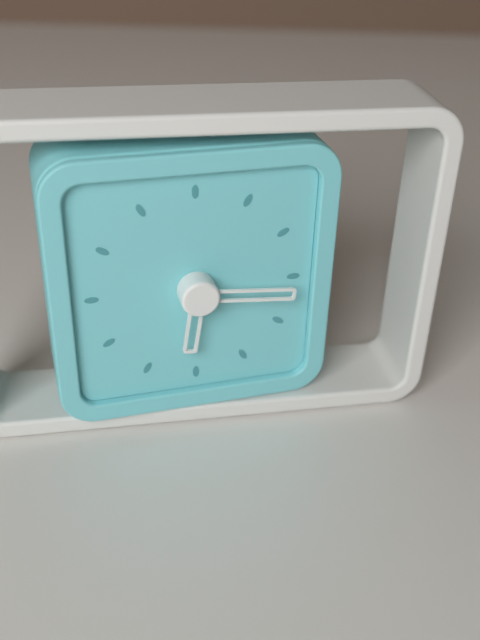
6:16
